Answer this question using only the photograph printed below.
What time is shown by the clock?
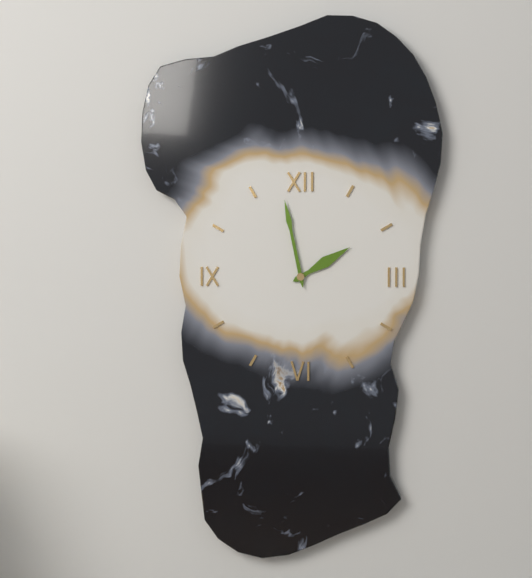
1:58
